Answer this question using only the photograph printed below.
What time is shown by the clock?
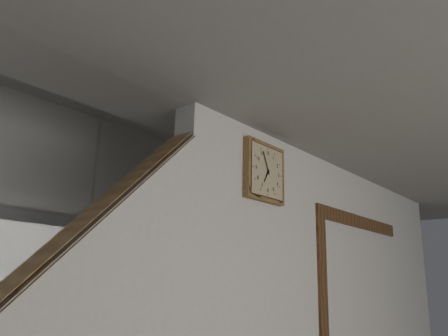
6:56
